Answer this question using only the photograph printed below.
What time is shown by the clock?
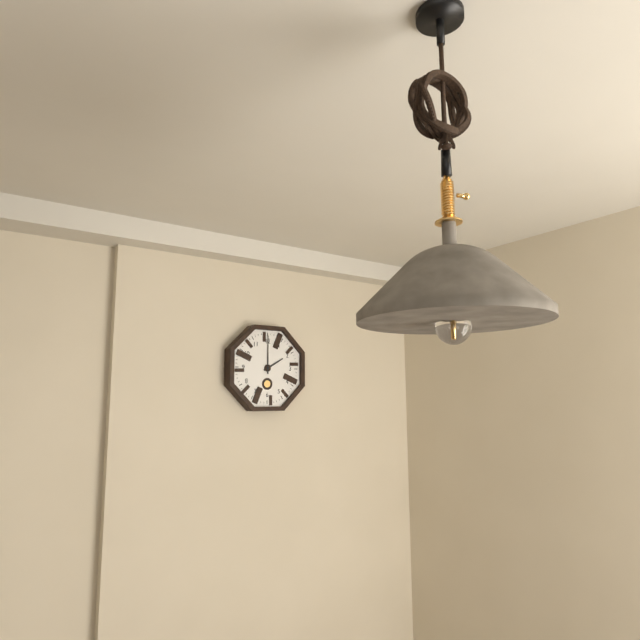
2:00
